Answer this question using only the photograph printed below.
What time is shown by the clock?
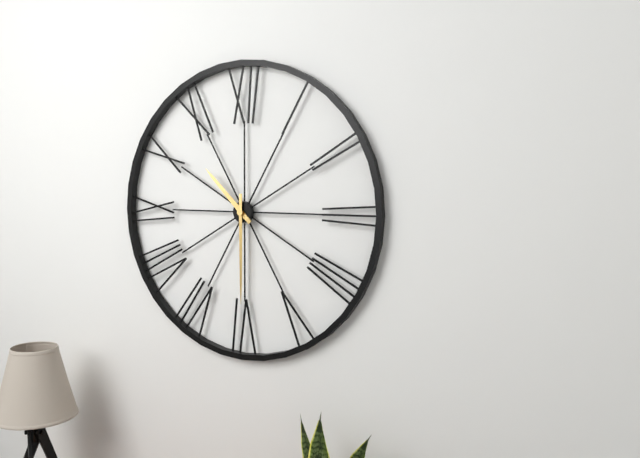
10:30
